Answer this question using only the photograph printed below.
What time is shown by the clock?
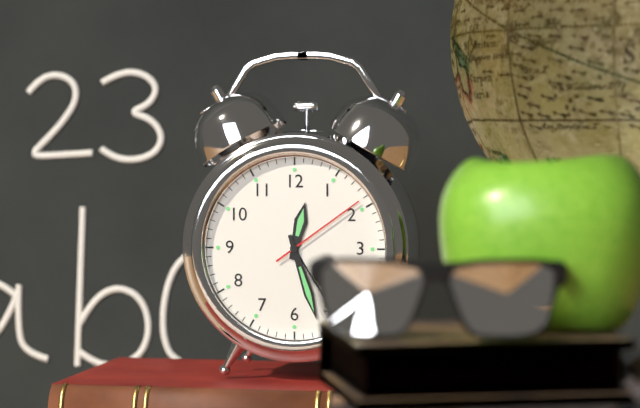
12:27:09
